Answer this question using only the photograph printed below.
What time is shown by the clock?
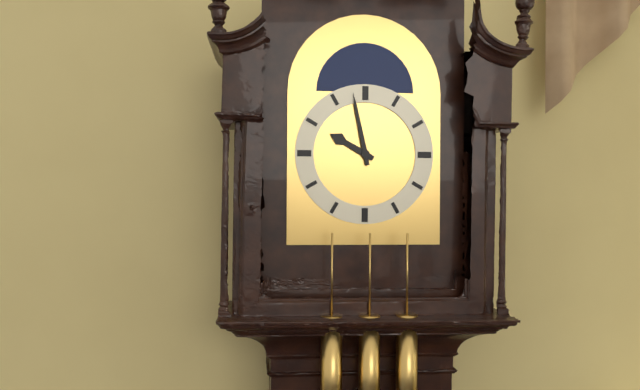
9:58
